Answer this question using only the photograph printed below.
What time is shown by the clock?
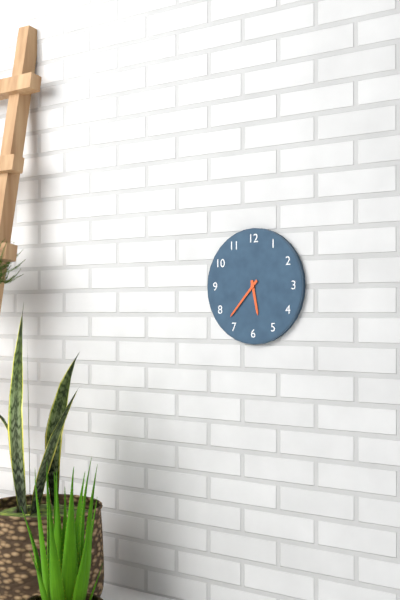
5:37
